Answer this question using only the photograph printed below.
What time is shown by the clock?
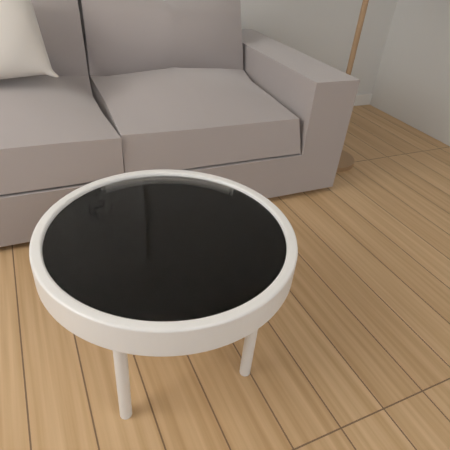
10:30
